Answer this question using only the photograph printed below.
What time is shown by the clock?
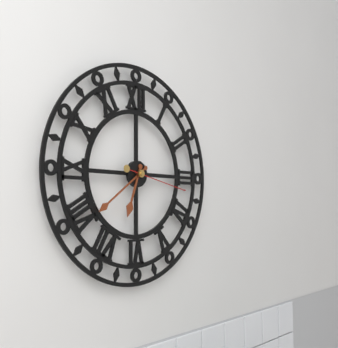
6:39:17
